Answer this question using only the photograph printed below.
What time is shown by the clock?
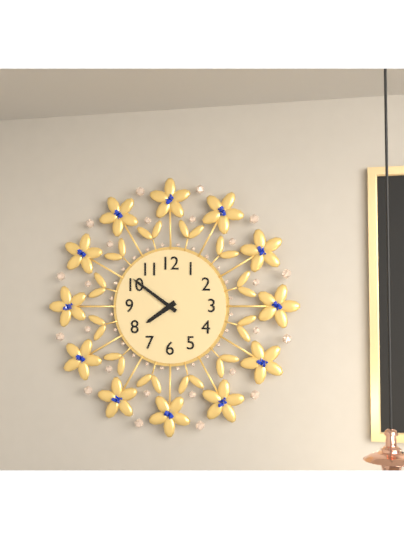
7:51
